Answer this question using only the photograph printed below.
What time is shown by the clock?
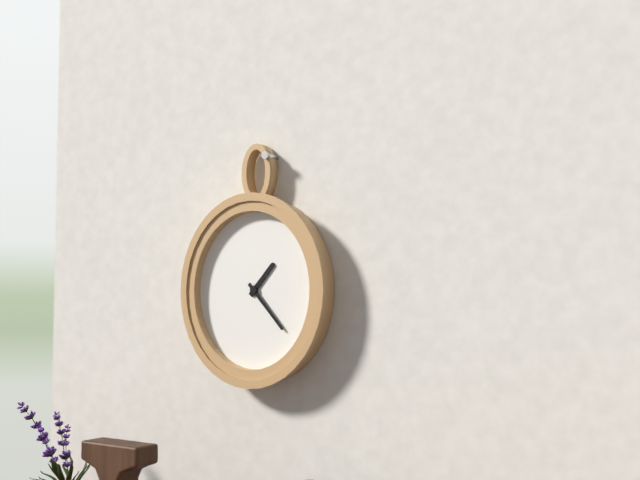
1:23
